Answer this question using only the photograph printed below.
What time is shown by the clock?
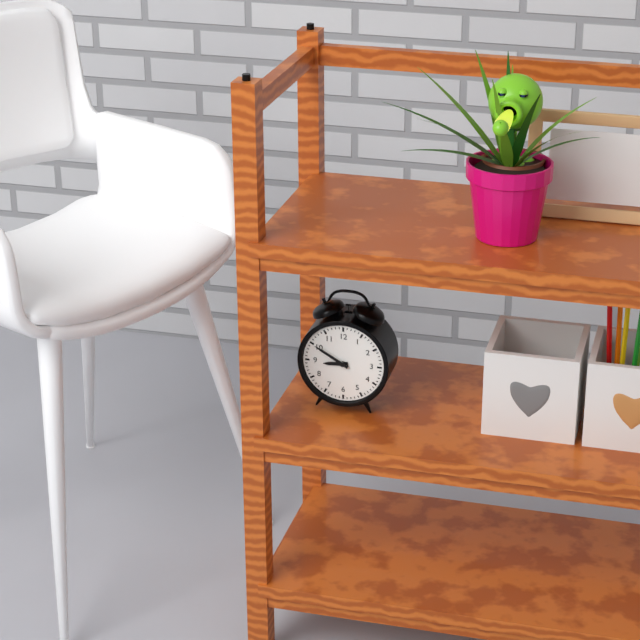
8:50
